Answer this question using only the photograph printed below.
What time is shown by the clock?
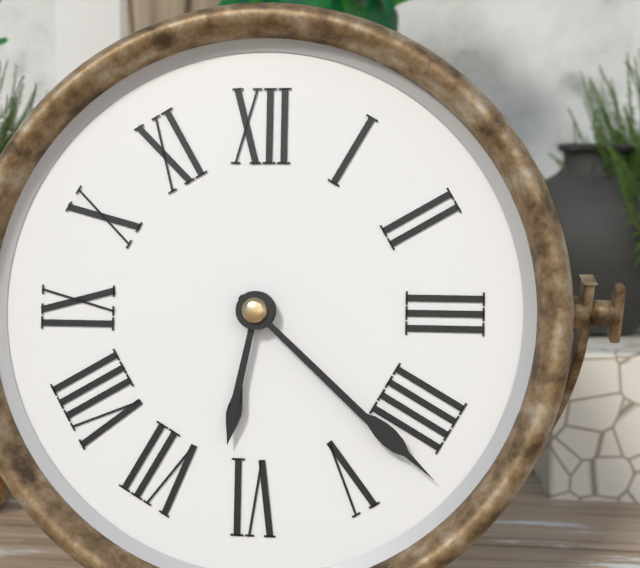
6:22
